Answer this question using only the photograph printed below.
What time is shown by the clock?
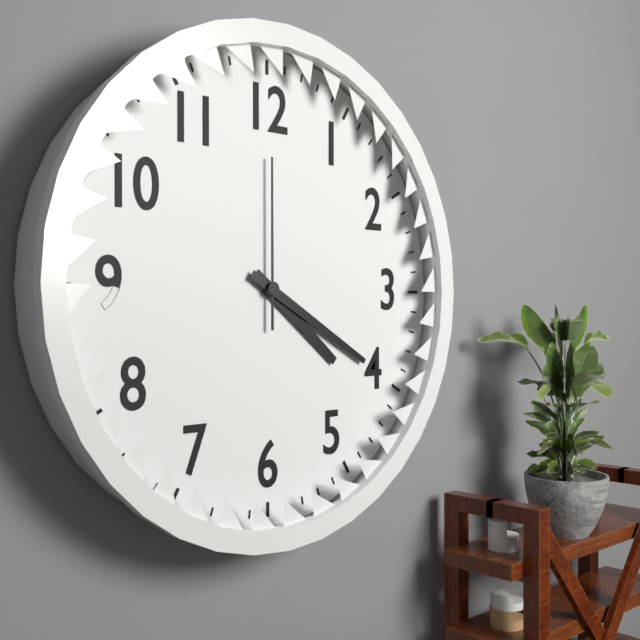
4:20:00
